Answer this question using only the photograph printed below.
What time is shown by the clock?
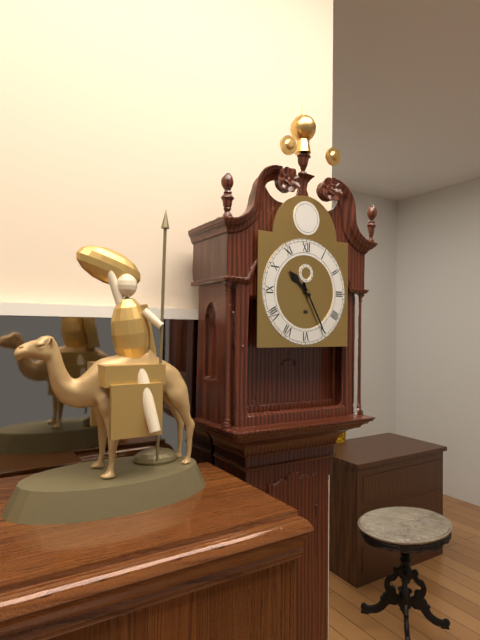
10:25
